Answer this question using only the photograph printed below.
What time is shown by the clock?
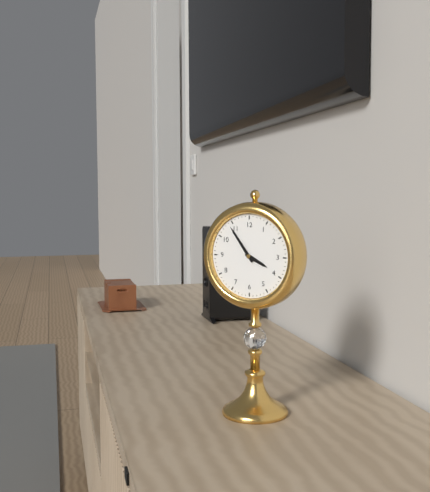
3:54
